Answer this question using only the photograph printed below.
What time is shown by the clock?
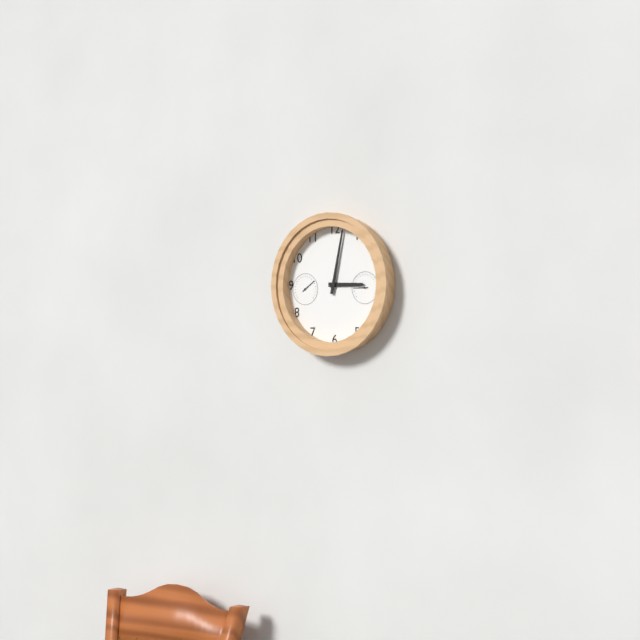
3:02
